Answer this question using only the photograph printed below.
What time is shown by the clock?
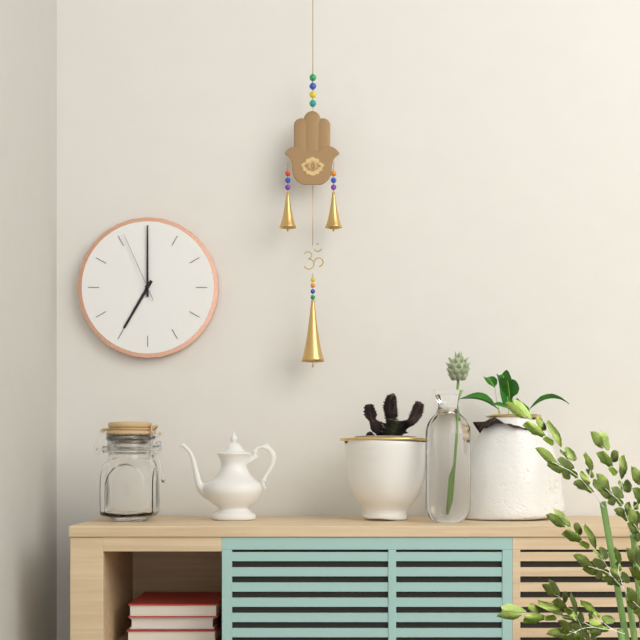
7:00:56
